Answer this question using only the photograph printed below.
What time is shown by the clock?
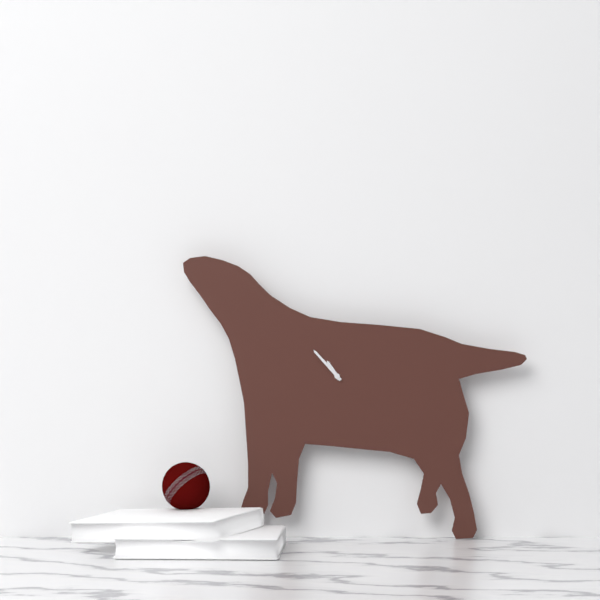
10:53
